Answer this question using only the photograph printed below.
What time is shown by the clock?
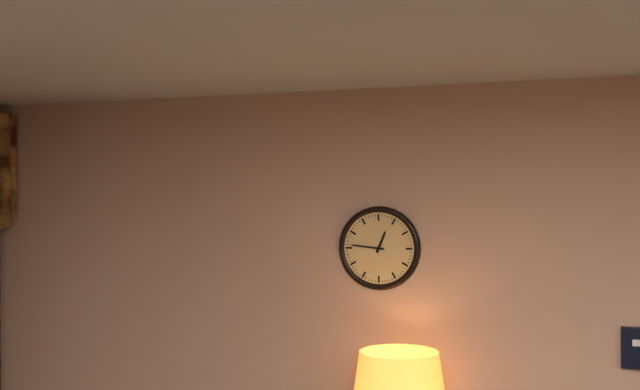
12:46
